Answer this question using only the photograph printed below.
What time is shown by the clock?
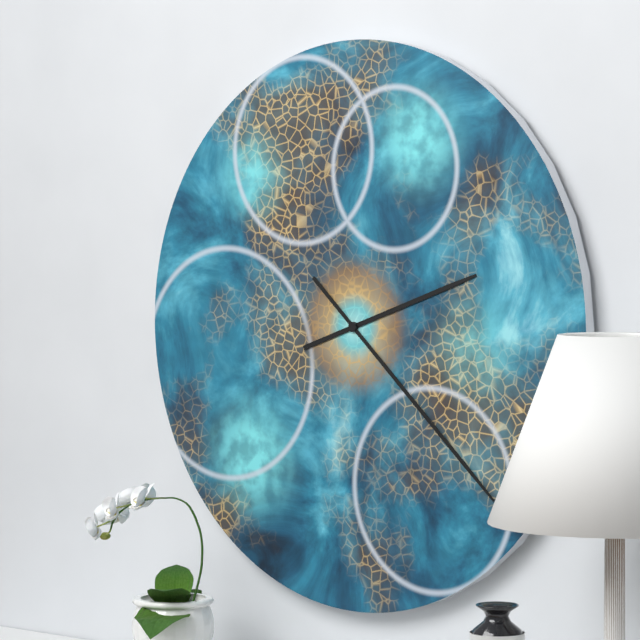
2:22
